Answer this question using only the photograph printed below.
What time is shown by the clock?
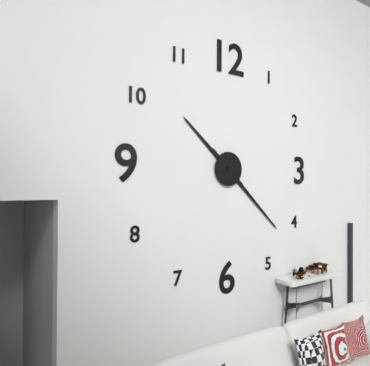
10:22
